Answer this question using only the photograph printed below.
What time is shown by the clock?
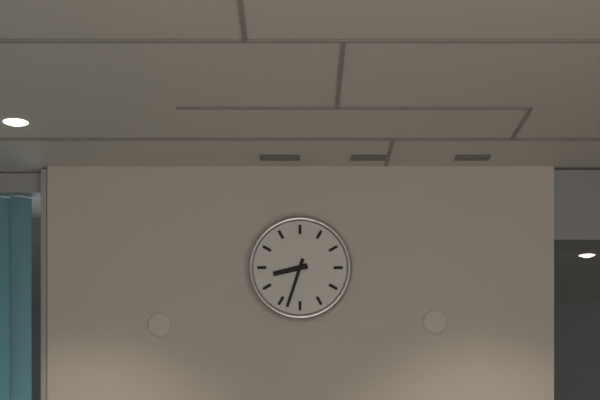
8:33
